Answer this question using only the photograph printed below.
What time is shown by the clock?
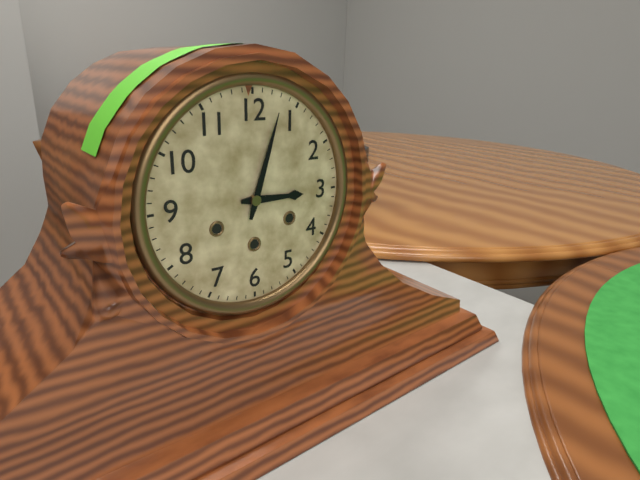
3:03
